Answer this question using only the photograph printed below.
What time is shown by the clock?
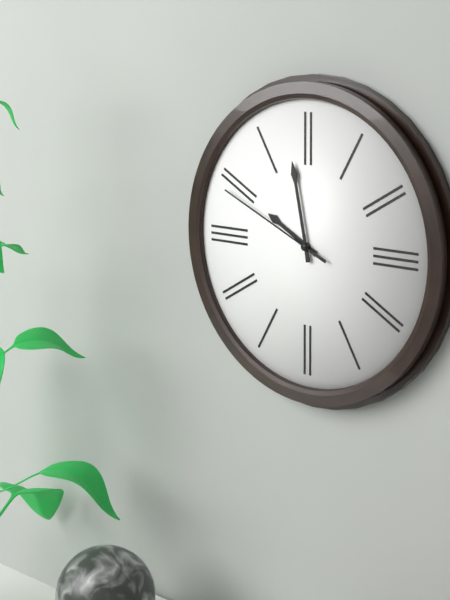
9:58:49
